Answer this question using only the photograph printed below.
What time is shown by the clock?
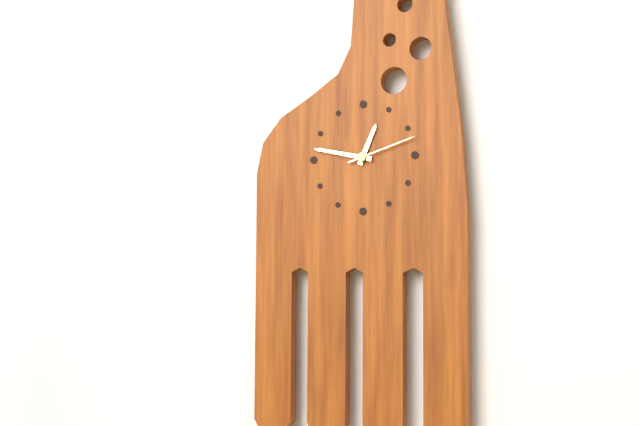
12:47:12
